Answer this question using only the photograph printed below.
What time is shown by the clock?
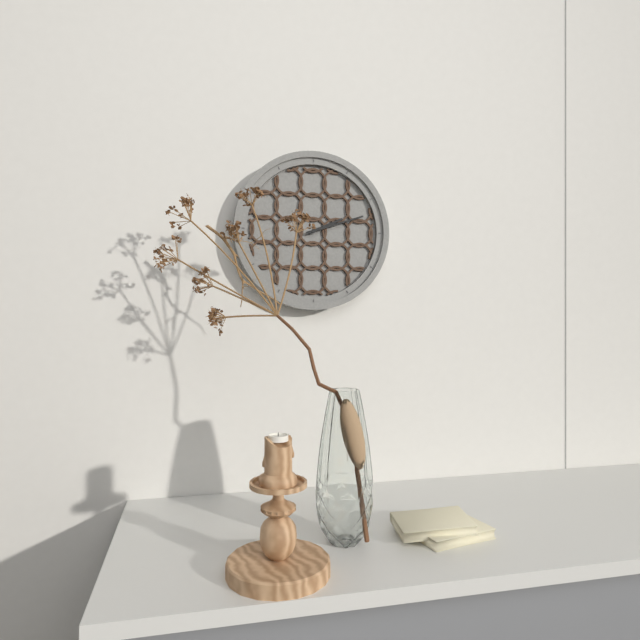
2:12
